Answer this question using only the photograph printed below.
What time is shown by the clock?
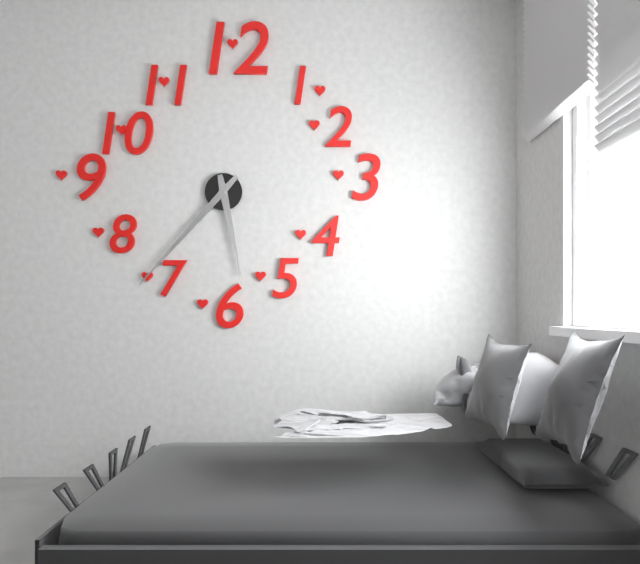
5:37
